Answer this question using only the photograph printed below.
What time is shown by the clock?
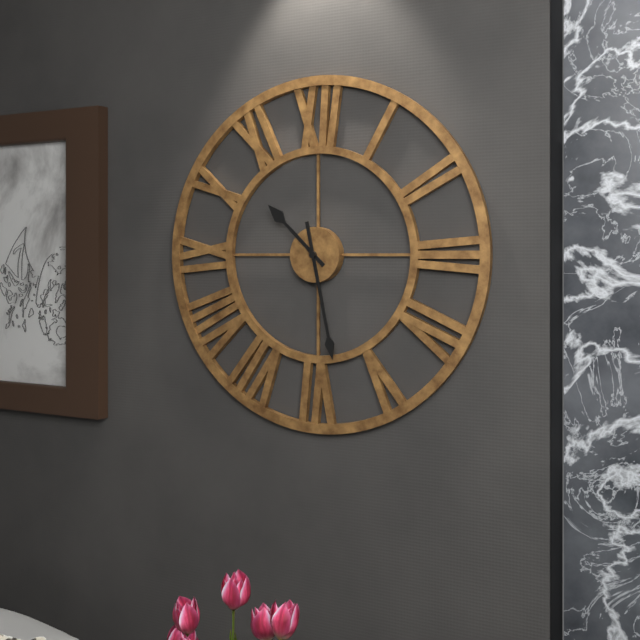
10:28
